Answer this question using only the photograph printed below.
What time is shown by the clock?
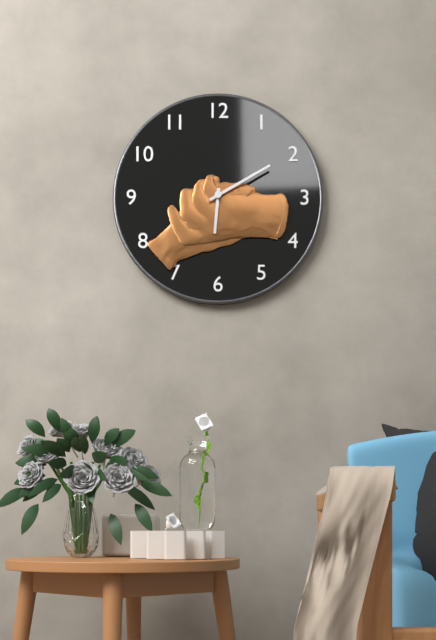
6:10
